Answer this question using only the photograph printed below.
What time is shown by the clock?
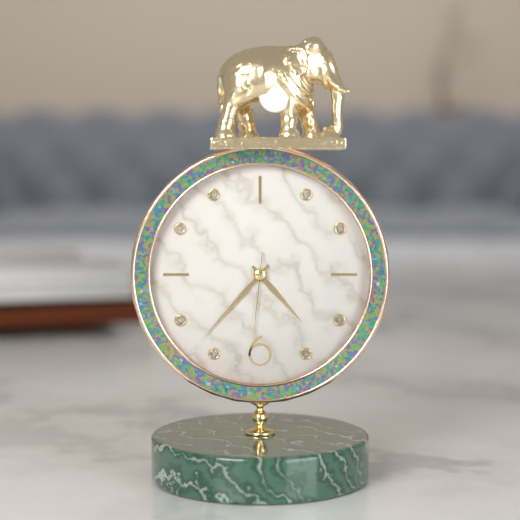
4:37:31
